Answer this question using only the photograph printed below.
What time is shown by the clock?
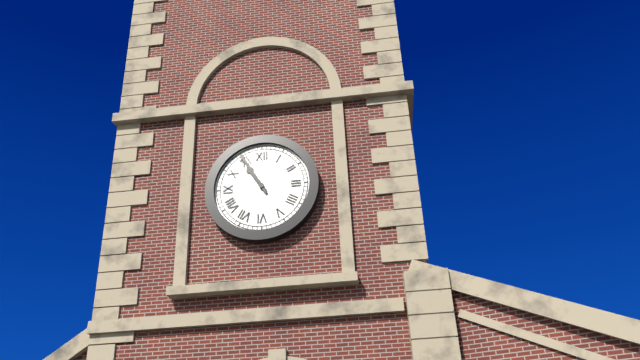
10:55
